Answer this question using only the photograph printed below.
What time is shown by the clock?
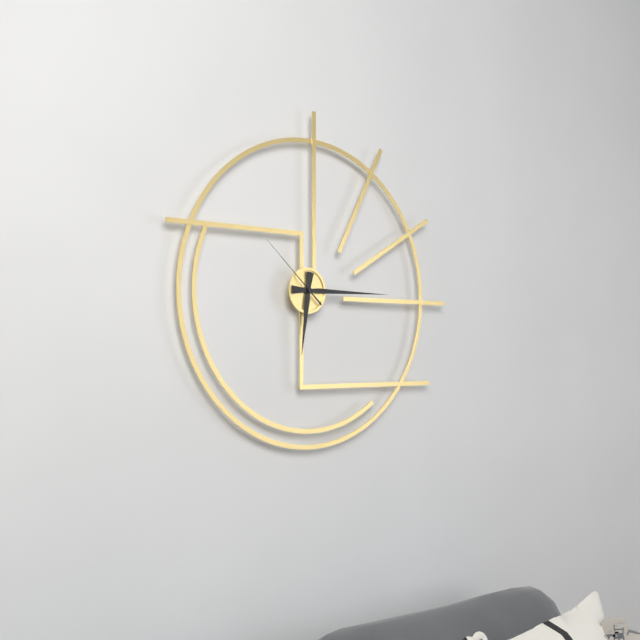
6:15:52
